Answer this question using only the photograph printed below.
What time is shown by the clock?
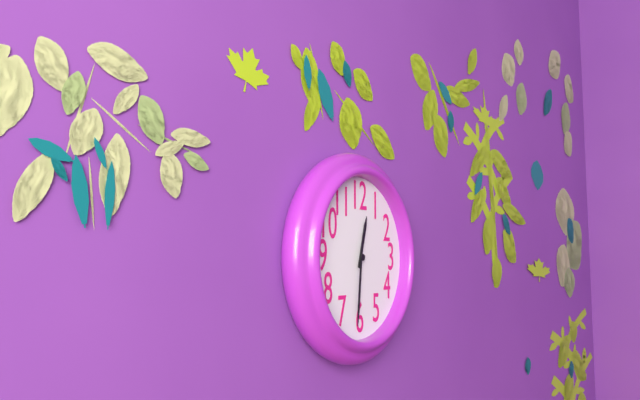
12:31
